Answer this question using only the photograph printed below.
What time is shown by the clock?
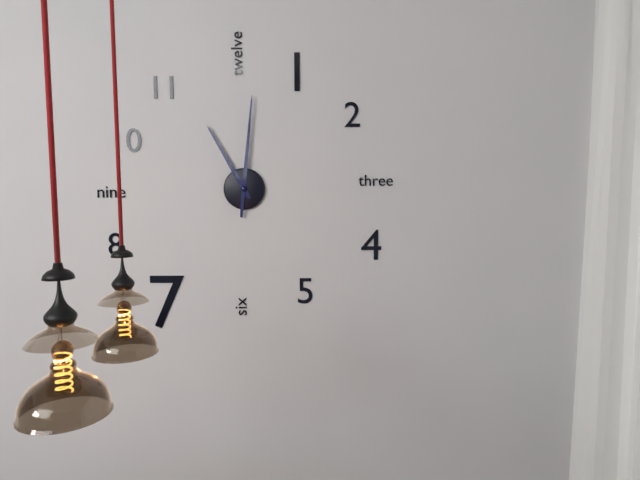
11:01
